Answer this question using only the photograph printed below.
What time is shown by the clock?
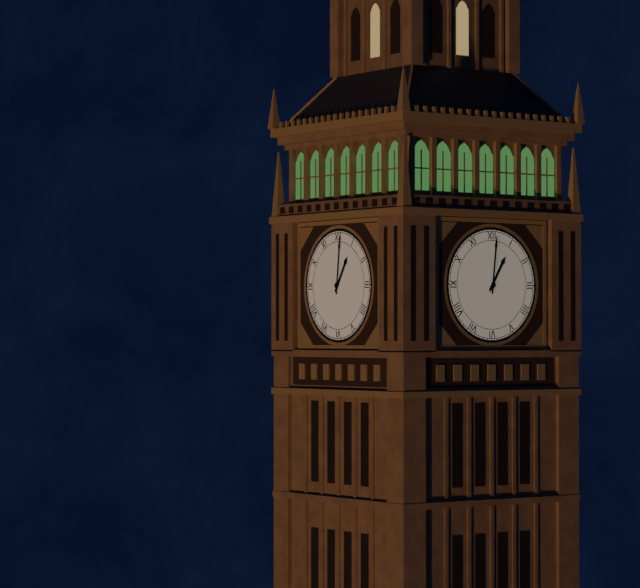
1:01
